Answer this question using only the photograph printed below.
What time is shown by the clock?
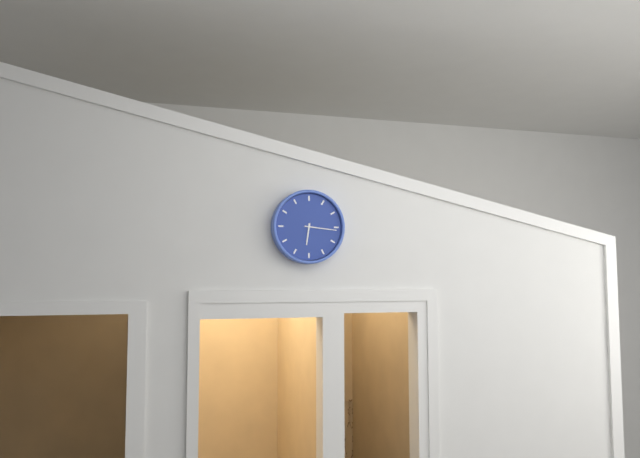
6:16
